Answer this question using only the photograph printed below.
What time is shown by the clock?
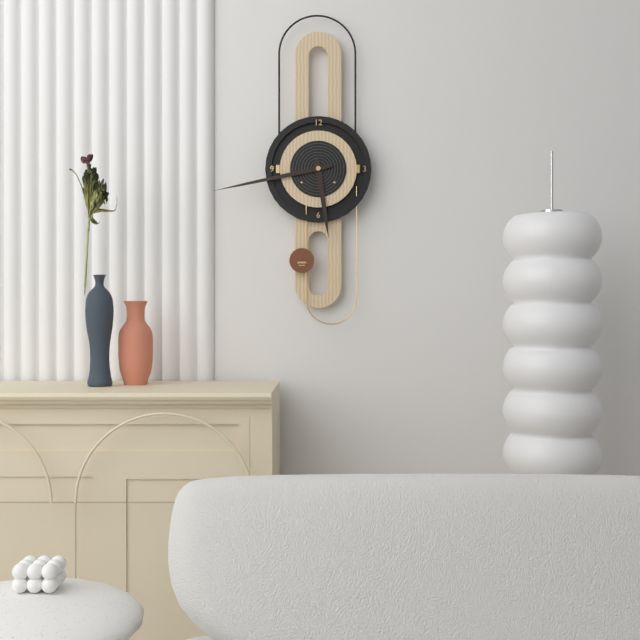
5:43
